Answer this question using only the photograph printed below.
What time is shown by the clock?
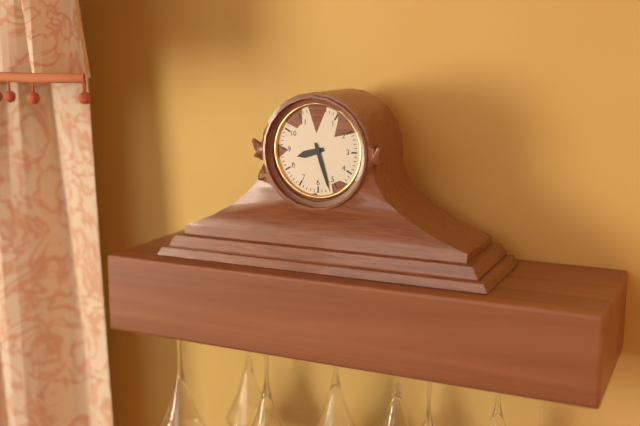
8:27
